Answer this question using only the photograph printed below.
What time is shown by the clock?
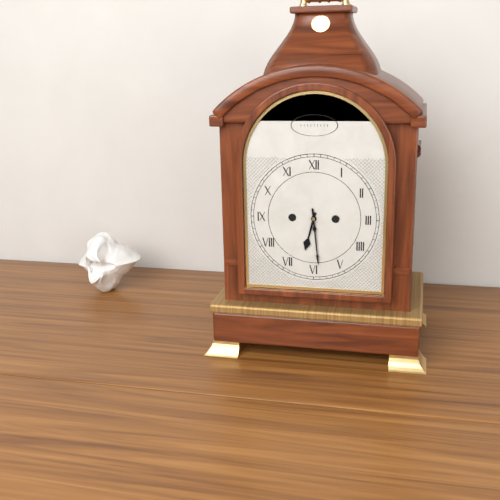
6:29
